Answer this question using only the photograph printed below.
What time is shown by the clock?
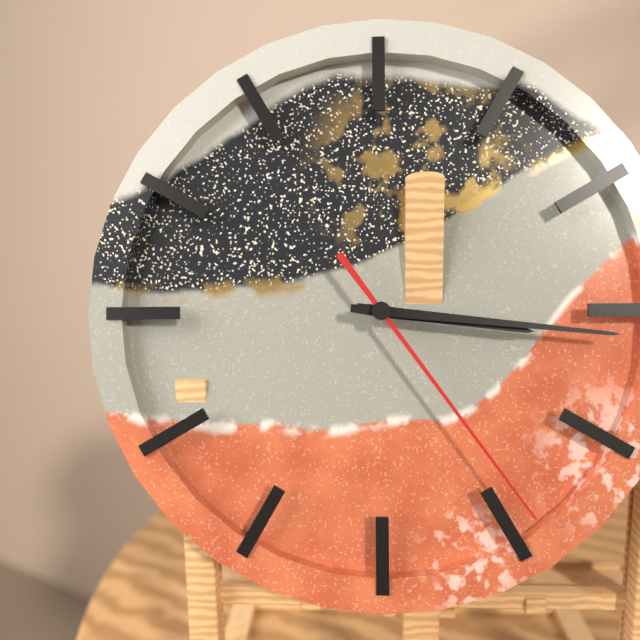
3:16:24
